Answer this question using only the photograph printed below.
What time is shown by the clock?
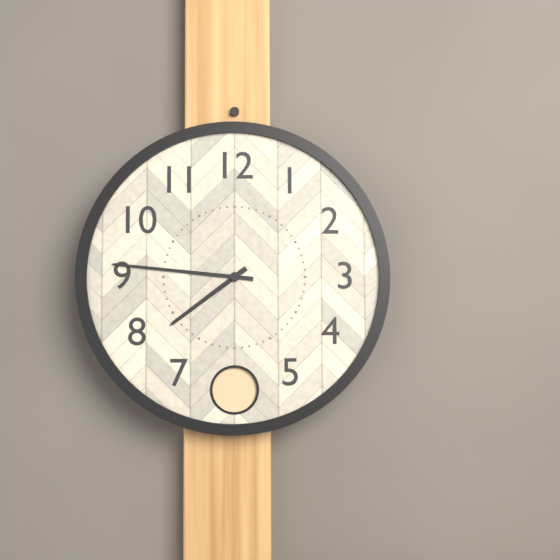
7:46
